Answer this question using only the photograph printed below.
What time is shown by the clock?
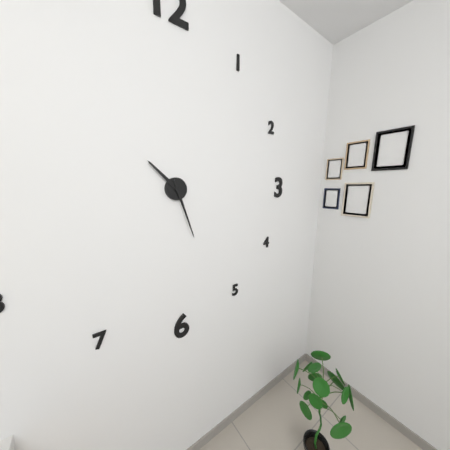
10:27
